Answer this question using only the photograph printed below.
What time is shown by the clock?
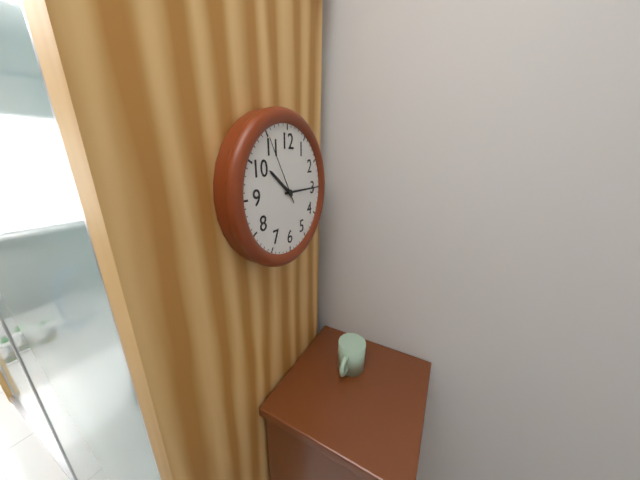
10:15:55
